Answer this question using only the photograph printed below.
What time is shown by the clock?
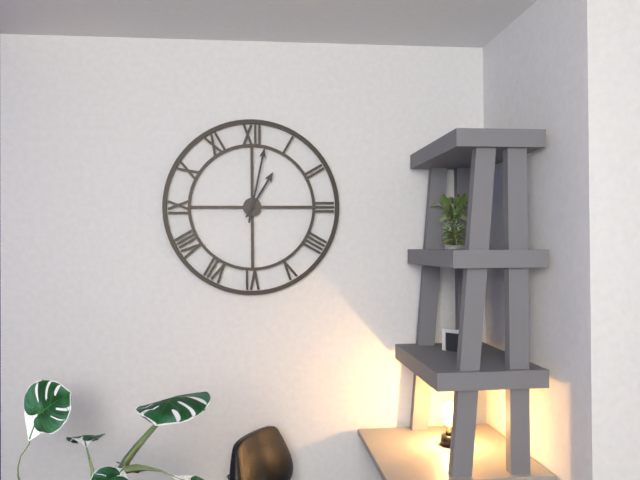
1:02
